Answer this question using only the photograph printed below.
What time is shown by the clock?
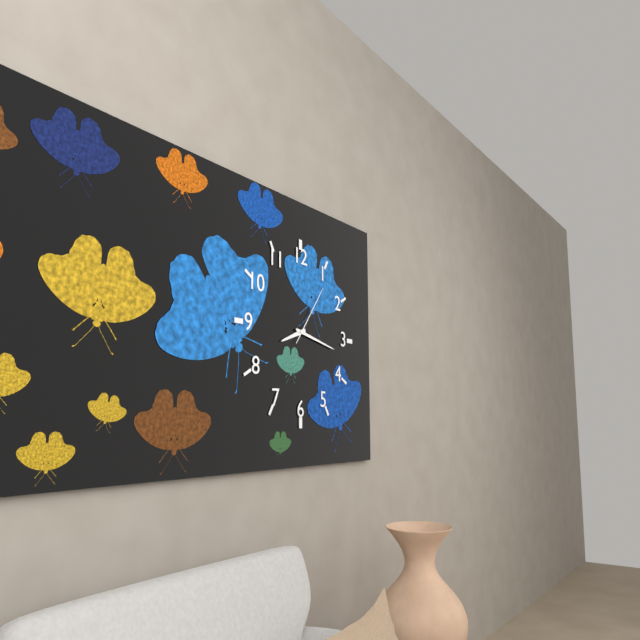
8:17:06
